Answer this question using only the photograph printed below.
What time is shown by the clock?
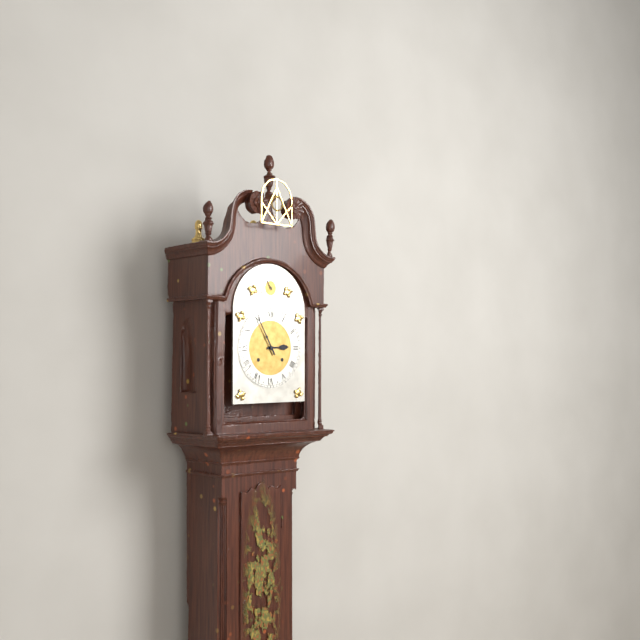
2:55
